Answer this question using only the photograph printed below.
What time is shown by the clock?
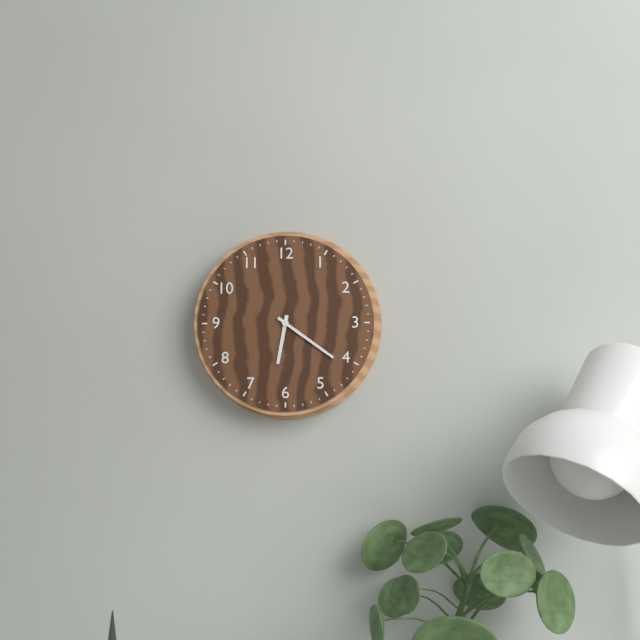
6:21
